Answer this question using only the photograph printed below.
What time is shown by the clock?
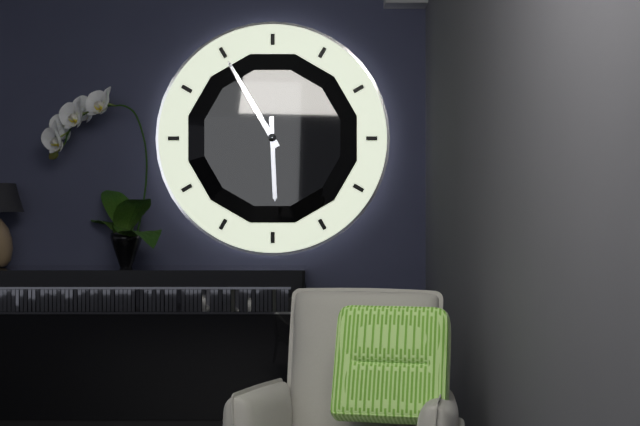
5:55
